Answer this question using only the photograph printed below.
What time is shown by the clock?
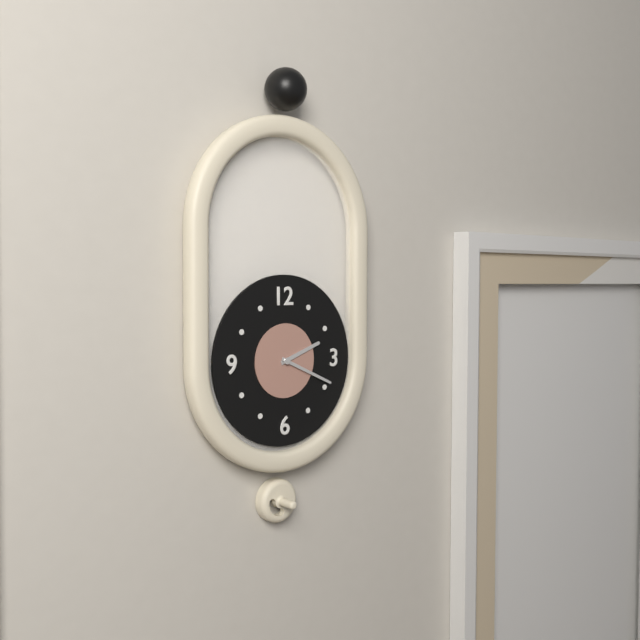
2:19
